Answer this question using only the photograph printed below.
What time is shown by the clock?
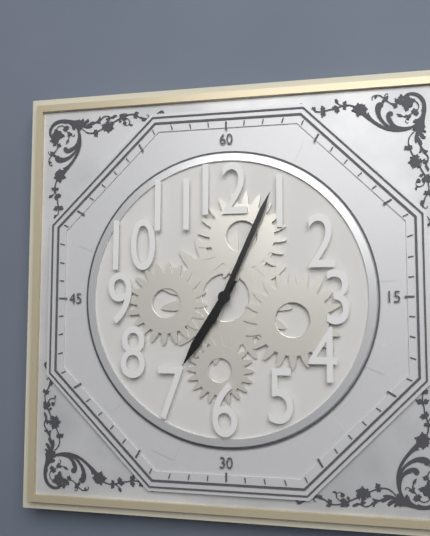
7:04
